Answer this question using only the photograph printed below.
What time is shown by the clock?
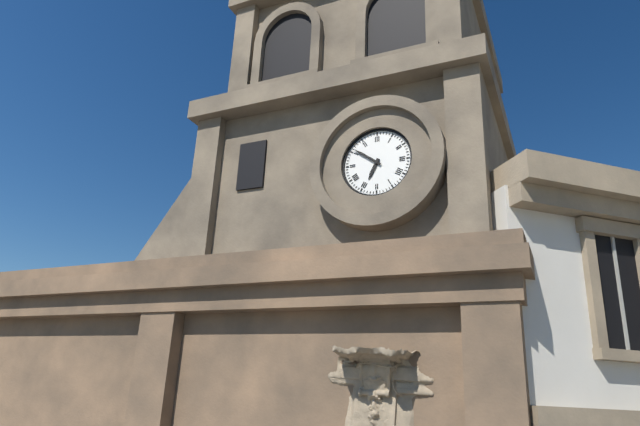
6:51
